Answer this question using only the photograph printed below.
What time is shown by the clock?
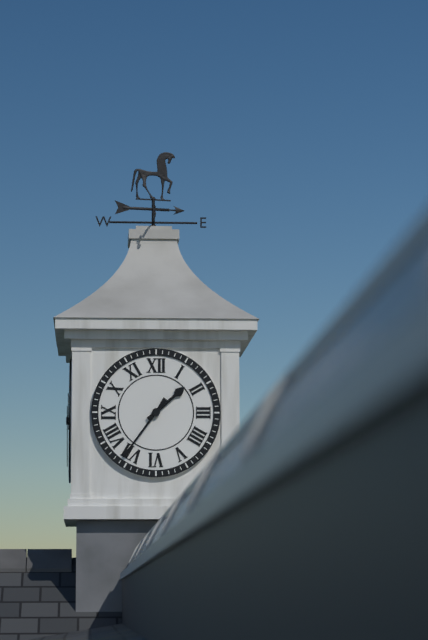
1:36
